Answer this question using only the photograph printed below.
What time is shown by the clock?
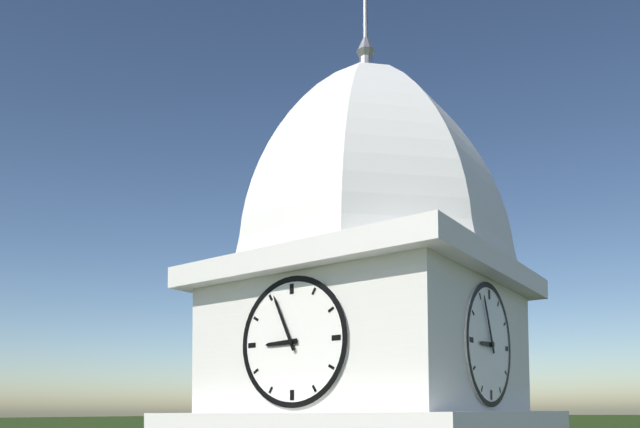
8:56
